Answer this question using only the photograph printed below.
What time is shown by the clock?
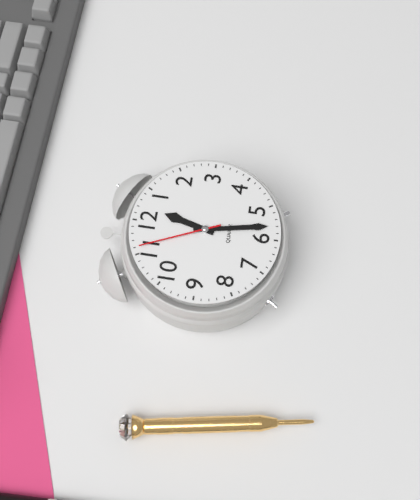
12:28:56
